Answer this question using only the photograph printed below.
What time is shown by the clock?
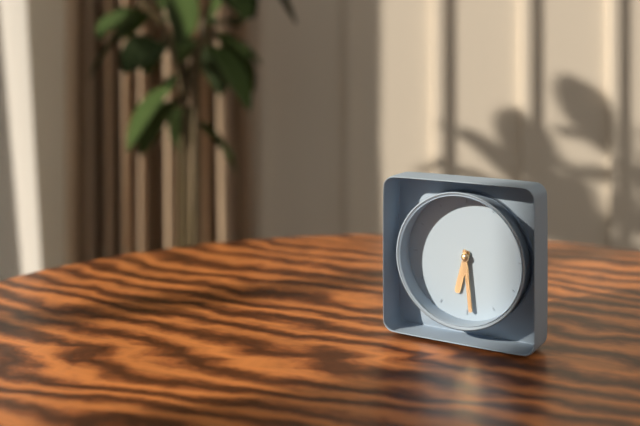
6:29
